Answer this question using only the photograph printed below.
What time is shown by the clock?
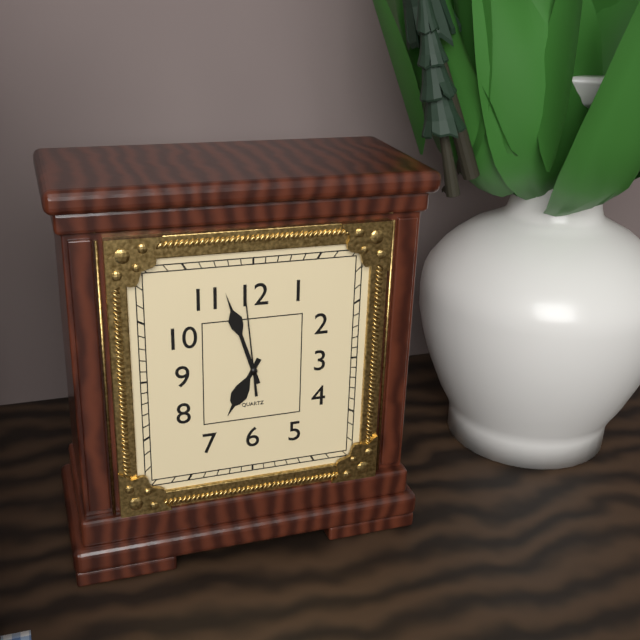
6:57:59
